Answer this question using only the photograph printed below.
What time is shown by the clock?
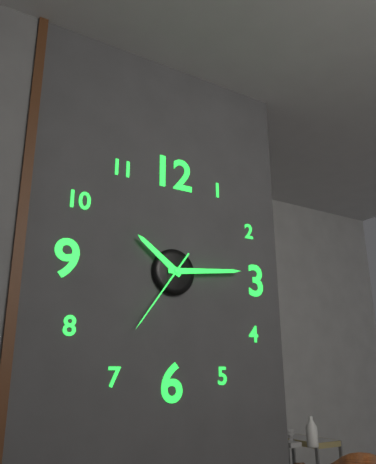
10:14:36
